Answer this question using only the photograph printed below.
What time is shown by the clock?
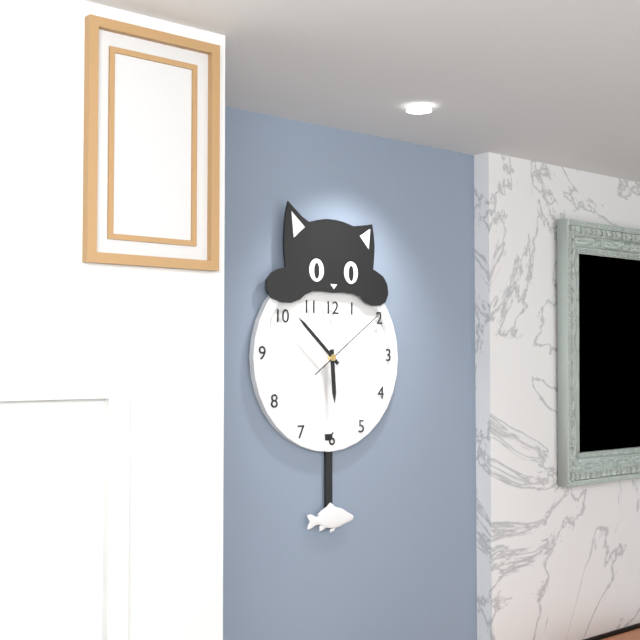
5:52:09
